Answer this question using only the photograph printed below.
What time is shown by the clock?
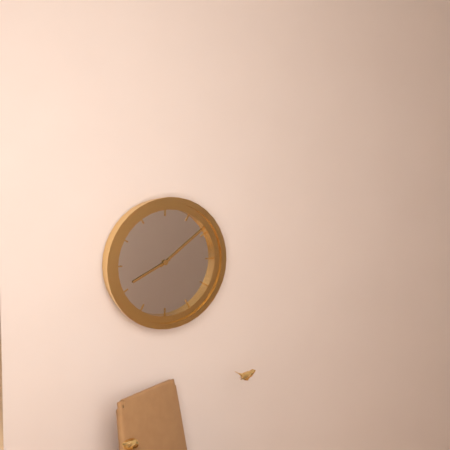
8:09
